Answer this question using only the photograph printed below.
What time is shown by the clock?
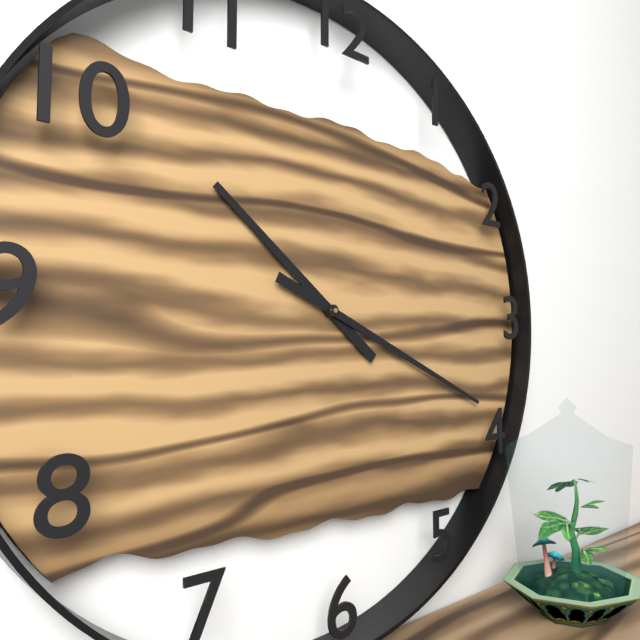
10:19
